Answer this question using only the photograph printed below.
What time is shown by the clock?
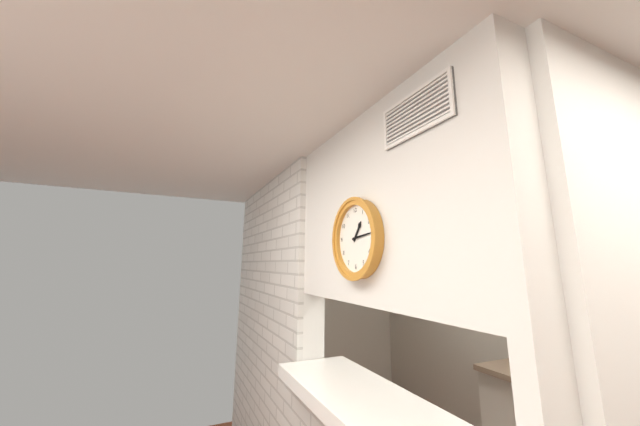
1:14
